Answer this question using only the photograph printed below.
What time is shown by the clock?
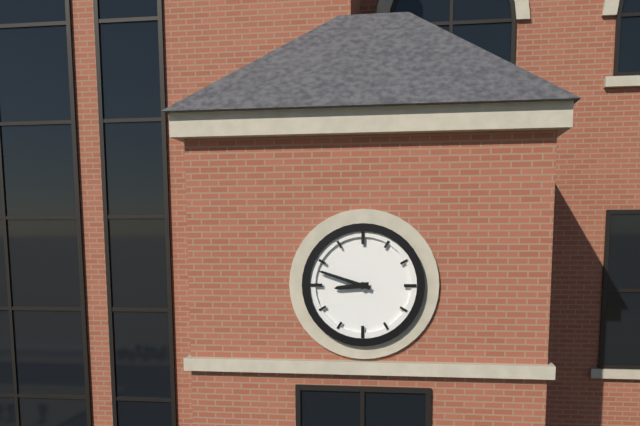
8:48
